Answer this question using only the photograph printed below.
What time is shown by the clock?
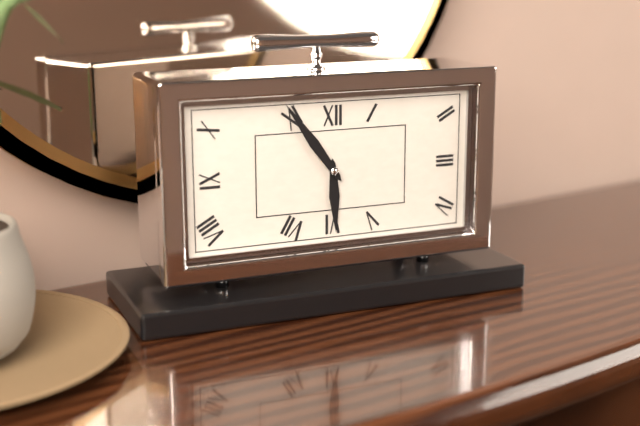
5:54
